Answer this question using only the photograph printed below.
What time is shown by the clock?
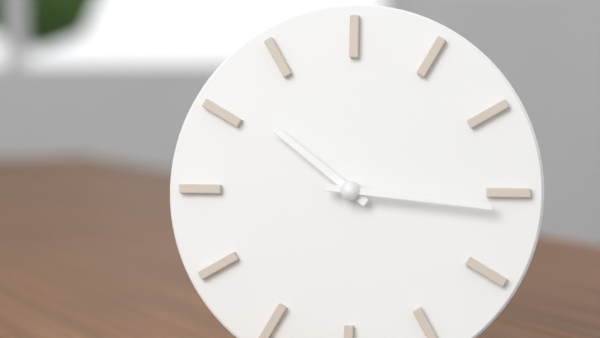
10:16
